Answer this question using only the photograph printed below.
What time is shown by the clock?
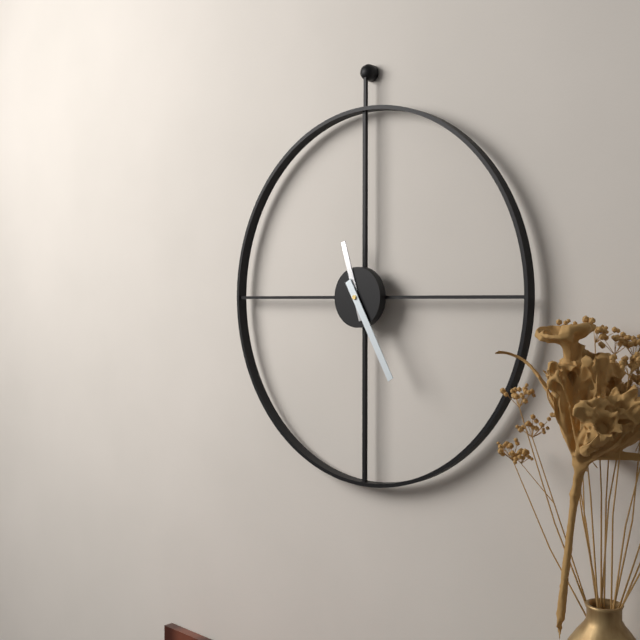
11:25
